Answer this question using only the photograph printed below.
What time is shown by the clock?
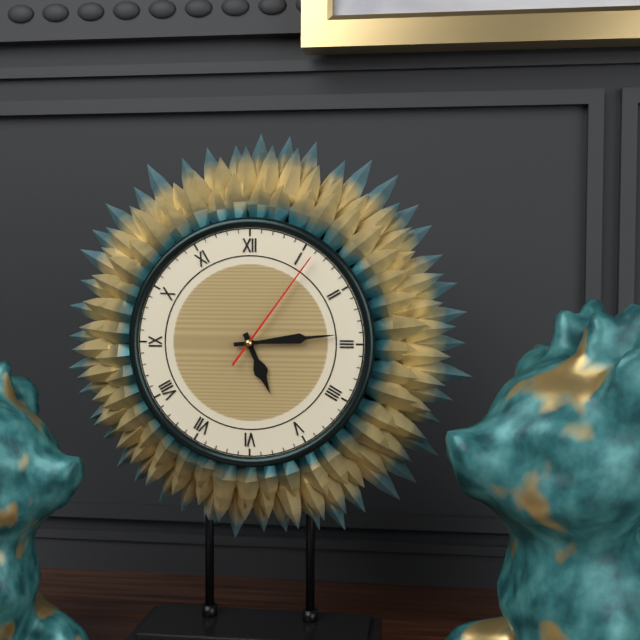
5:14:06
